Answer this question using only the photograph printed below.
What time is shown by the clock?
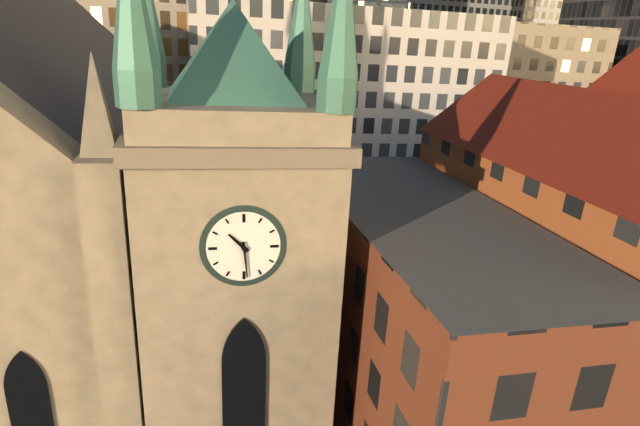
10:29
